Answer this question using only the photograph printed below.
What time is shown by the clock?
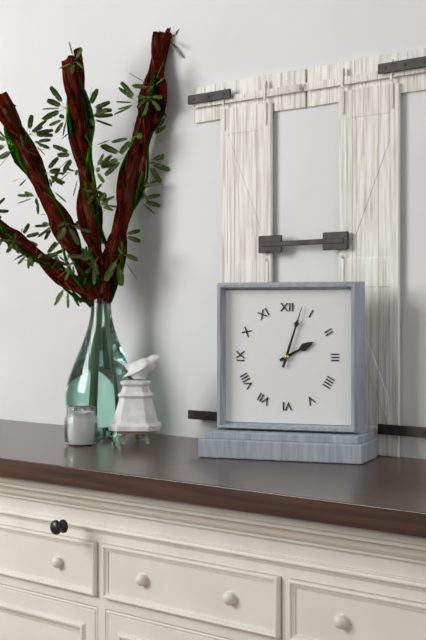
2:03
